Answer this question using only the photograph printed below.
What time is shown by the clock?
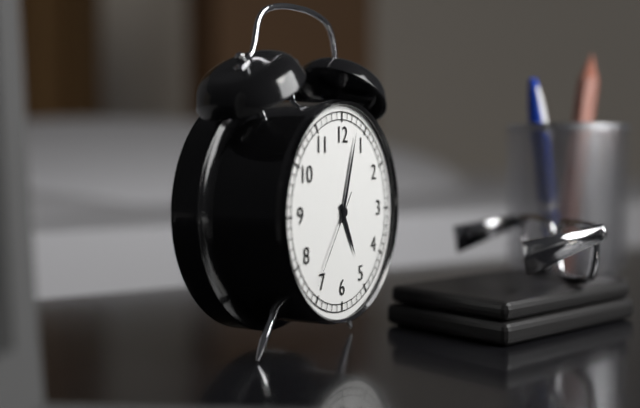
5:03:36
